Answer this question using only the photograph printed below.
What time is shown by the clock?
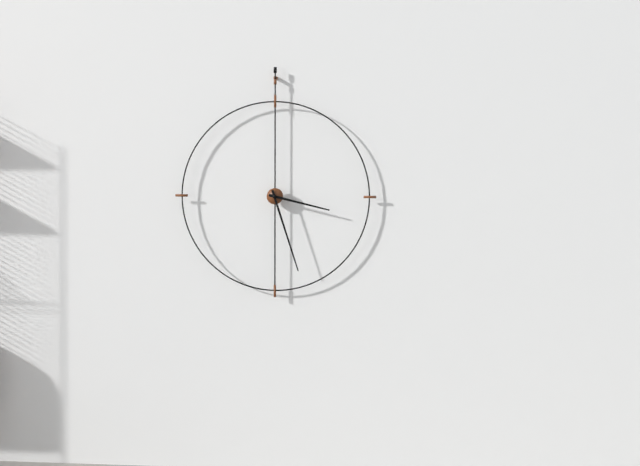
3:27
